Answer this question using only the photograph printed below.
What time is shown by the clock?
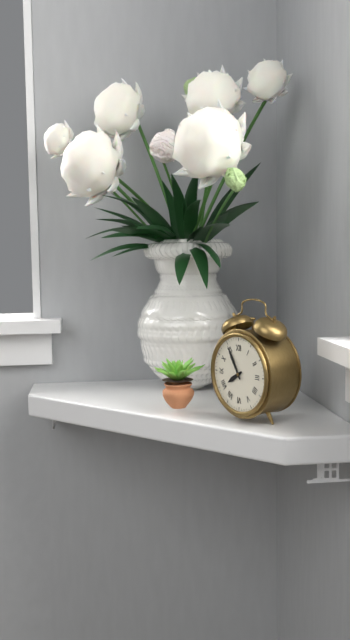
7:55
